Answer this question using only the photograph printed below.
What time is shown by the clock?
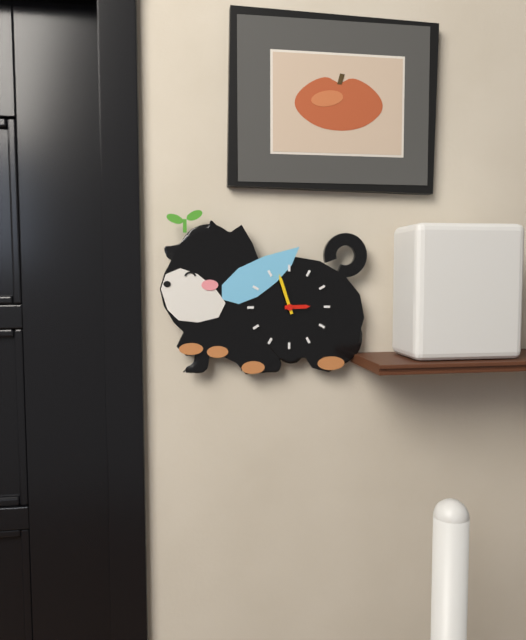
2:57
